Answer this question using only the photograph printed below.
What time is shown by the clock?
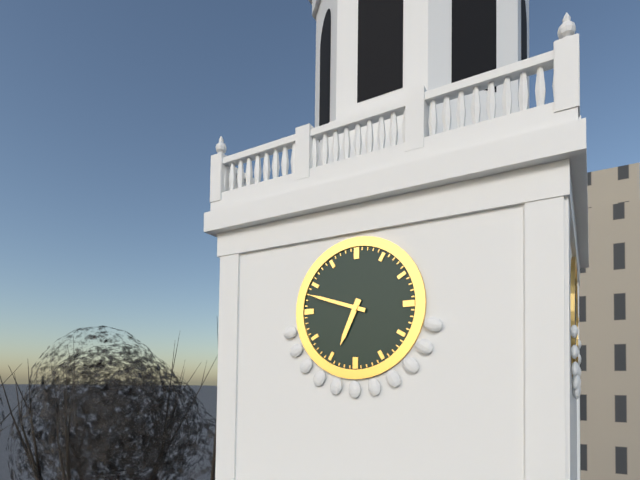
6:48
